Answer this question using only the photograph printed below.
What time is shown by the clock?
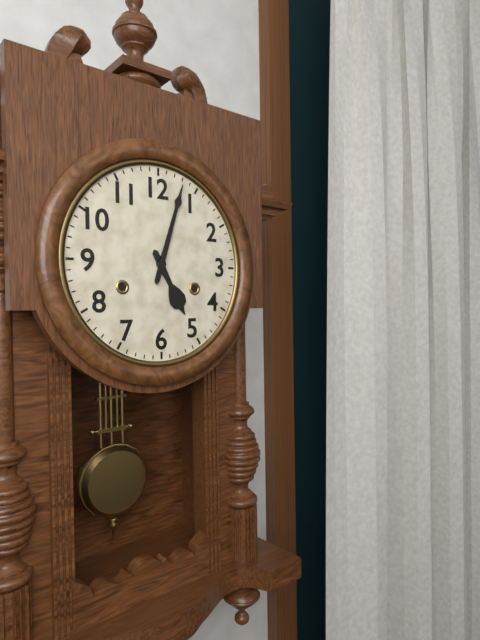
5:03
